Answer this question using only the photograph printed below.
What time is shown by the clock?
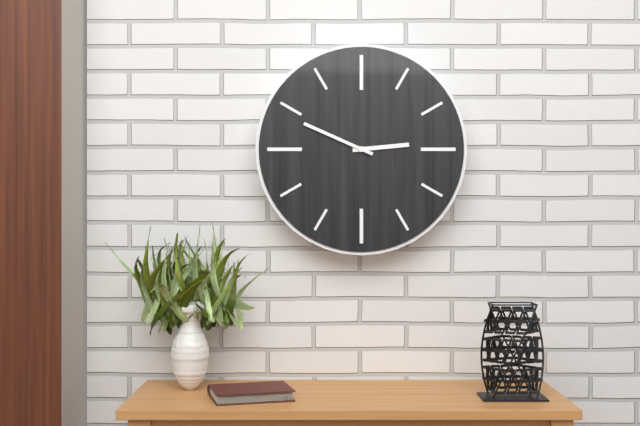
2:49
